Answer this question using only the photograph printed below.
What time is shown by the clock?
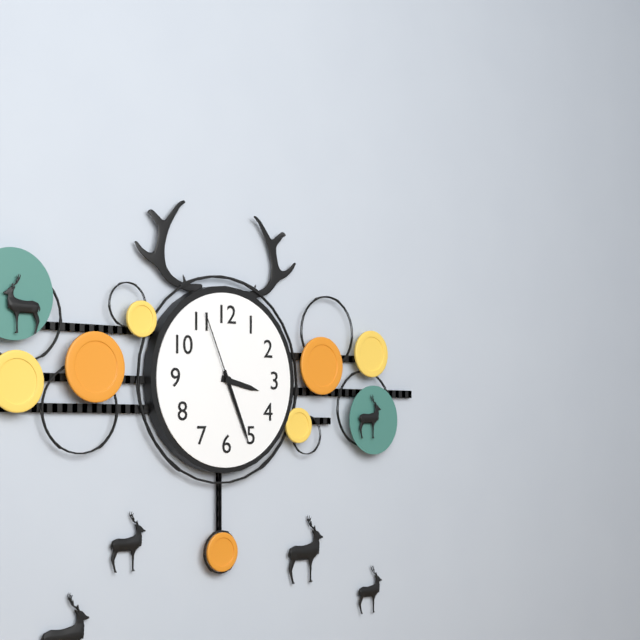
3:26:56
